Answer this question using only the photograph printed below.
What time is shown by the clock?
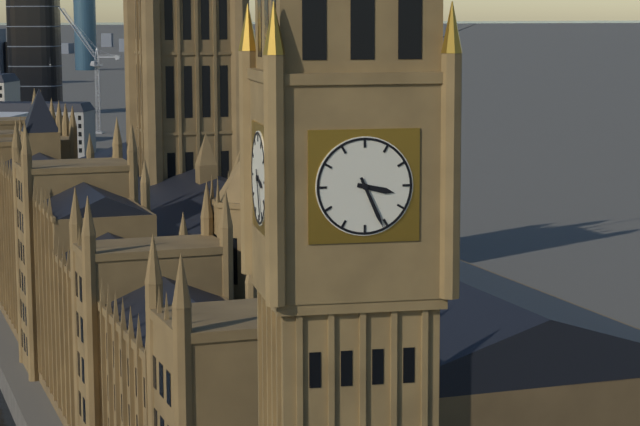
3:26
